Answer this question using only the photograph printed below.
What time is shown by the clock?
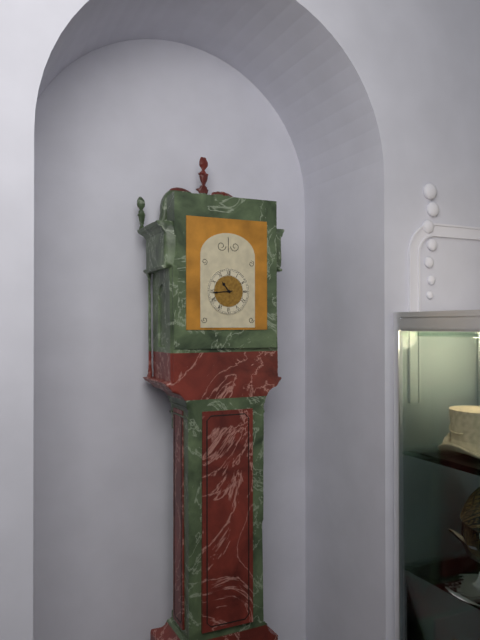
10:44
